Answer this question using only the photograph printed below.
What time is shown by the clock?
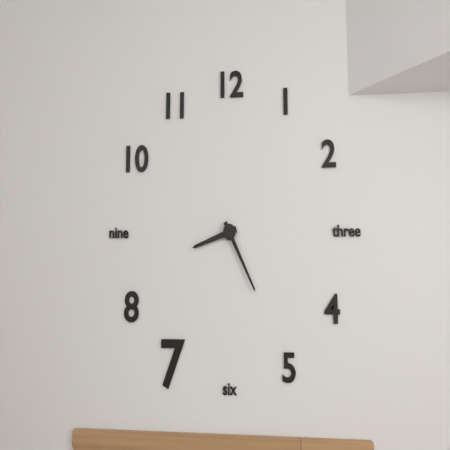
8:25
